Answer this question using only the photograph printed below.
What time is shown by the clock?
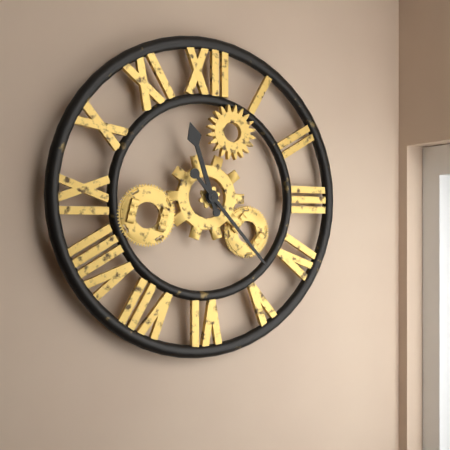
11:23
